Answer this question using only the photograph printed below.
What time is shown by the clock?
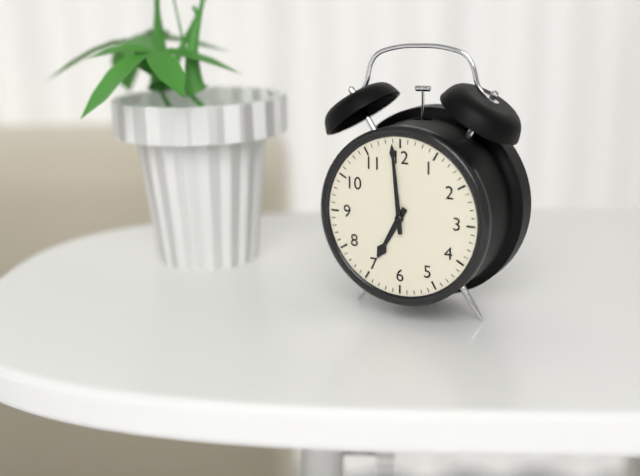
6:59
